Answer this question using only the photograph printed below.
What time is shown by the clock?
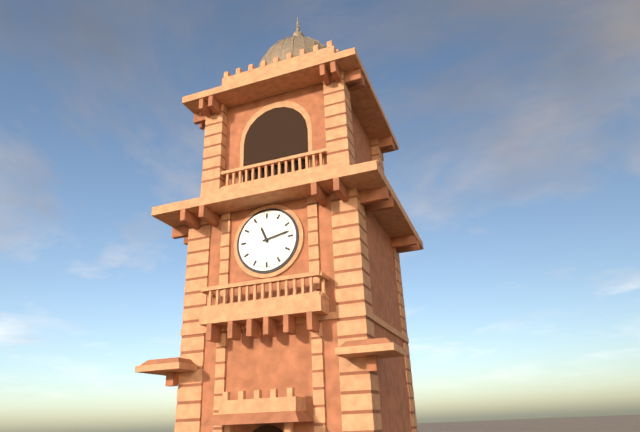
11:13
